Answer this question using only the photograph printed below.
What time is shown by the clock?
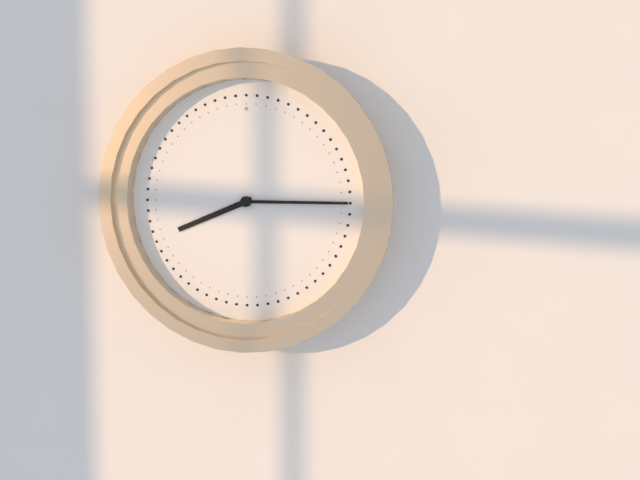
8:15
